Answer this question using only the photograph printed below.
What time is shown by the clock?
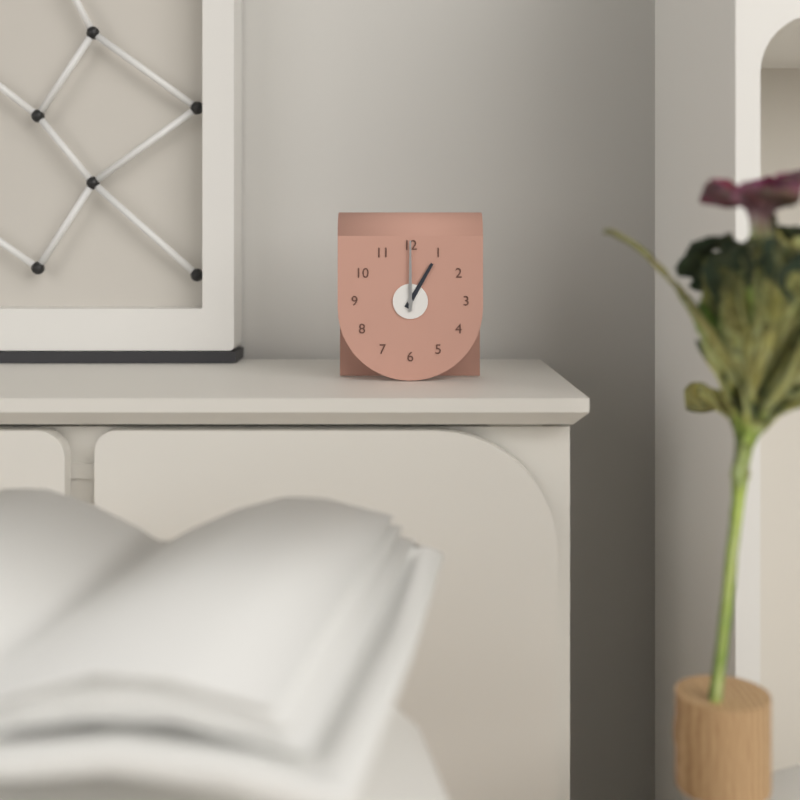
1:00
